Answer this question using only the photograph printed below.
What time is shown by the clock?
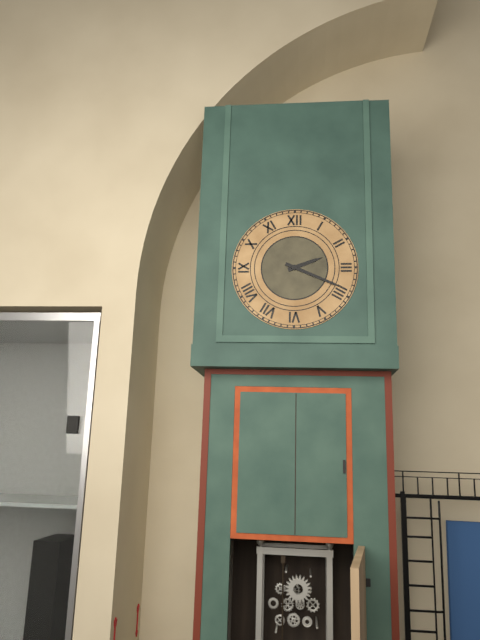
2:19
